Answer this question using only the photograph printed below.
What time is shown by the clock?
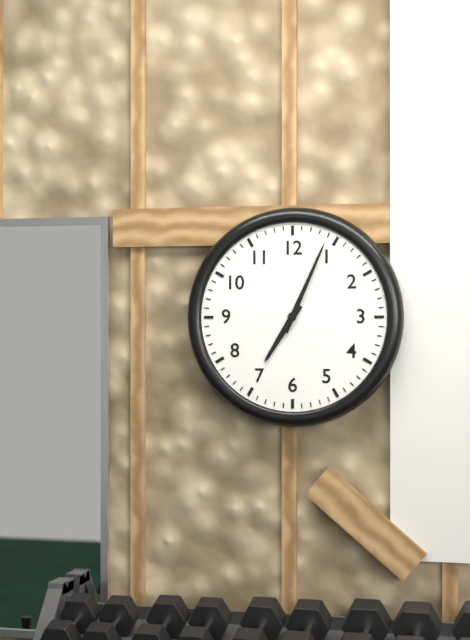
7:04
